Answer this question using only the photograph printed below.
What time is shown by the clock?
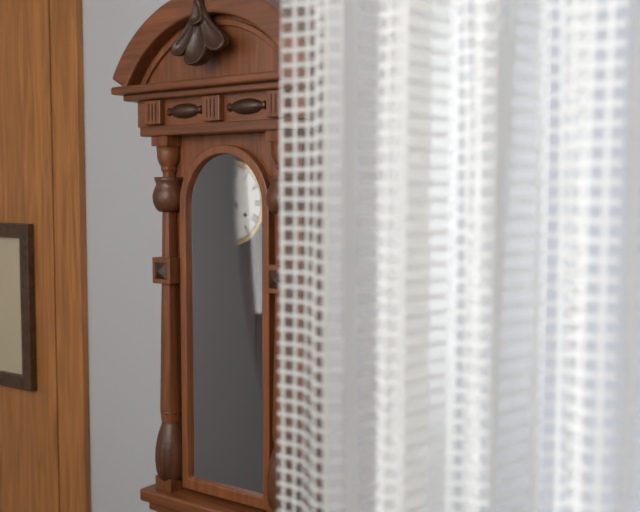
9:54
